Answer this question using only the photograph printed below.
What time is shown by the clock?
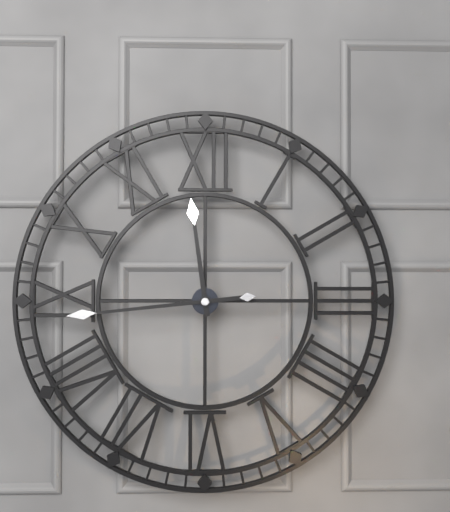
11:44
